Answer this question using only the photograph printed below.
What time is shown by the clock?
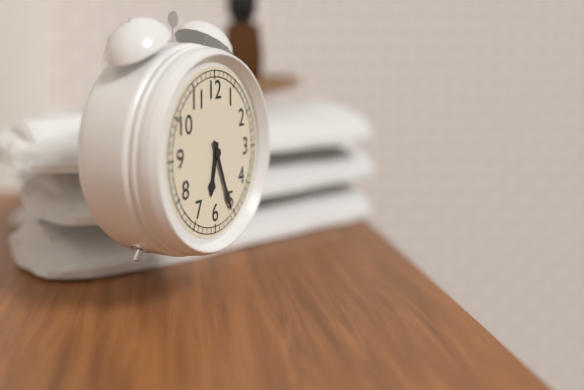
6:26
